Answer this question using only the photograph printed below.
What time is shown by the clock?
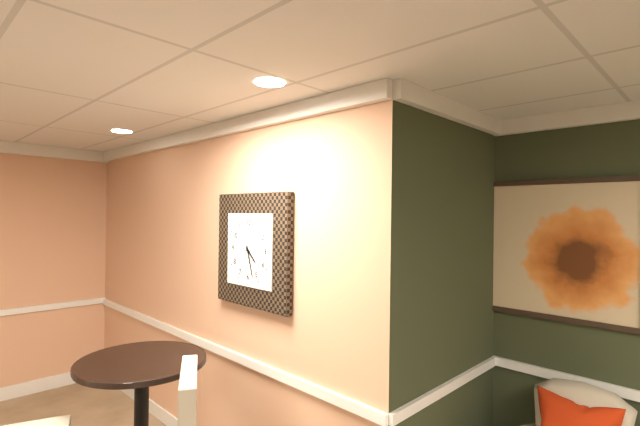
4:27
